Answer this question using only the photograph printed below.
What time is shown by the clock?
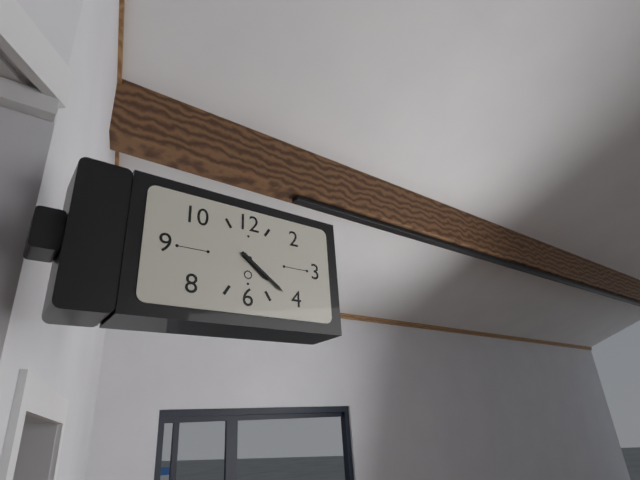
4:21
